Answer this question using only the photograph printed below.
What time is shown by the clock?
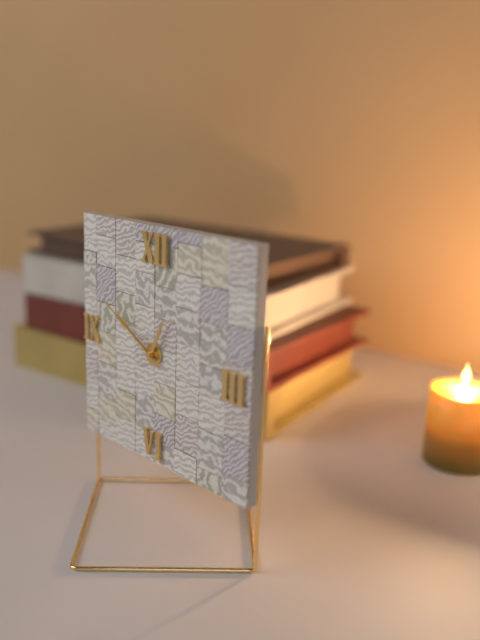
12:50:50
